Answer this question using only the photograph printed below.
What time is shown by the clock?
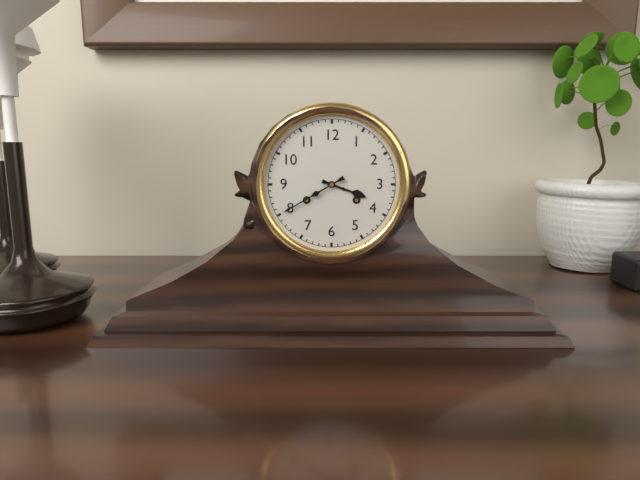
3:40
